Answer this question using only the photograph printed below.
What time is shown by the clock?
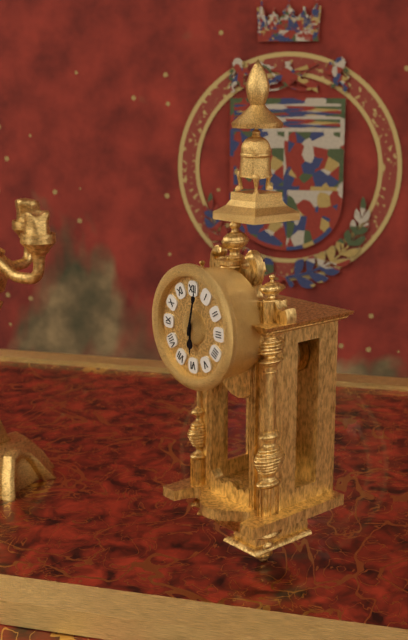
6:02
